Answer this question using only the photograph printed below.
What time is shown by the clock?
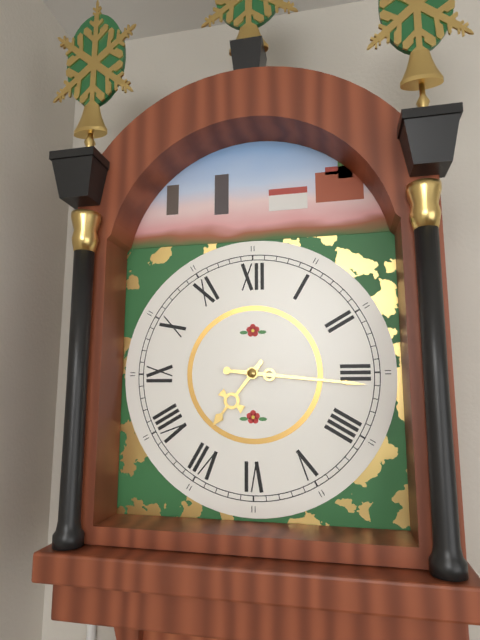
7:16
